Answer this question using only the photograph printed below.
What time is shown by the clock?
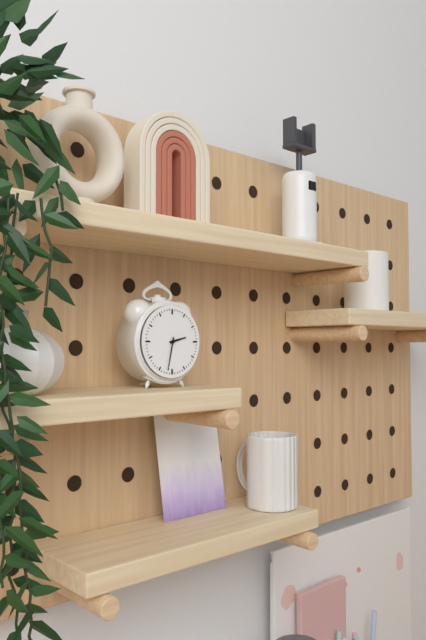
2:32
